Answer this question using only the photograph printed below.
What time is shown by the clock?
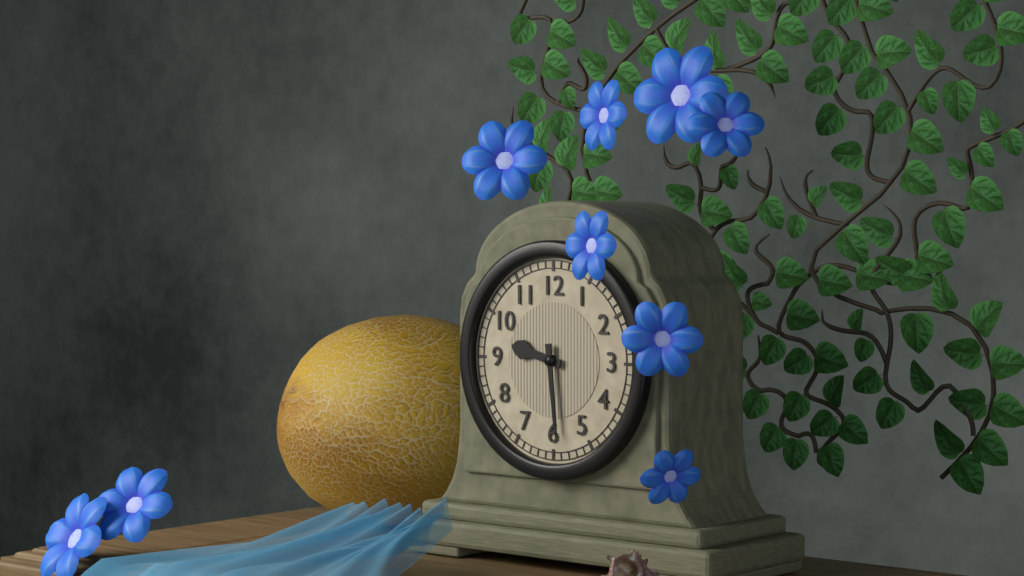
9:29
